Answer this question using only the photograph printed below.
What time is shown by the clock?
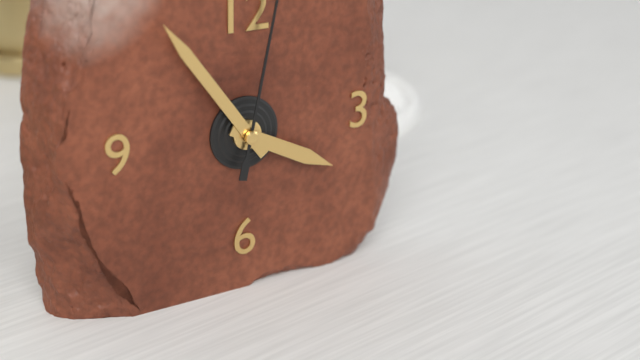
3:54
